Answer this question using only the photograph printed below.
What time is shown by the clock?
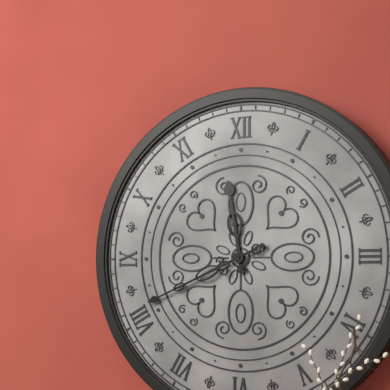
11:41
